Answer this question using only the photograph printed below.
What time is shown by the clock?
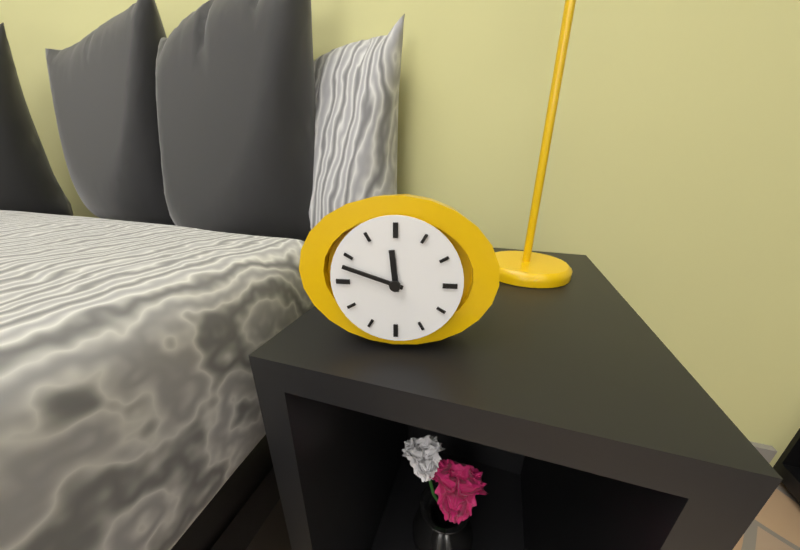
11:48
